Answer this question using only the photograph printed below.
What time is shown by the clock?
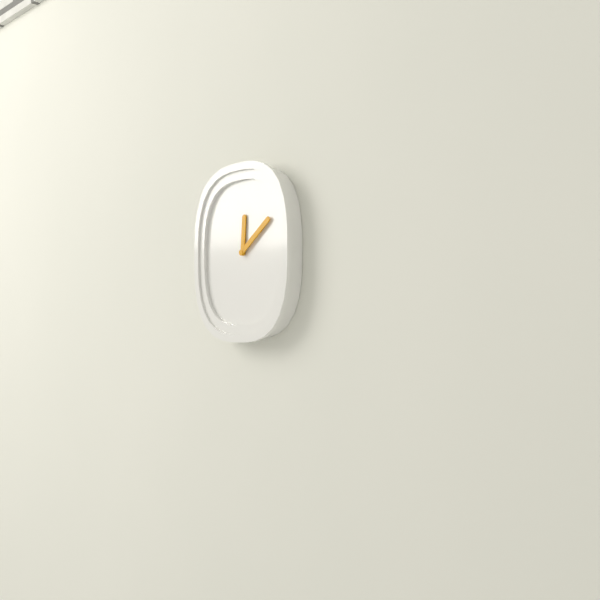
12:09
